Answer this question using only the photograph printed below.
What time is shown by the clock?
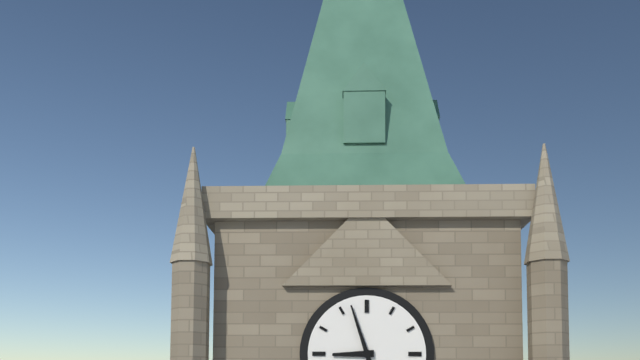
8:57
